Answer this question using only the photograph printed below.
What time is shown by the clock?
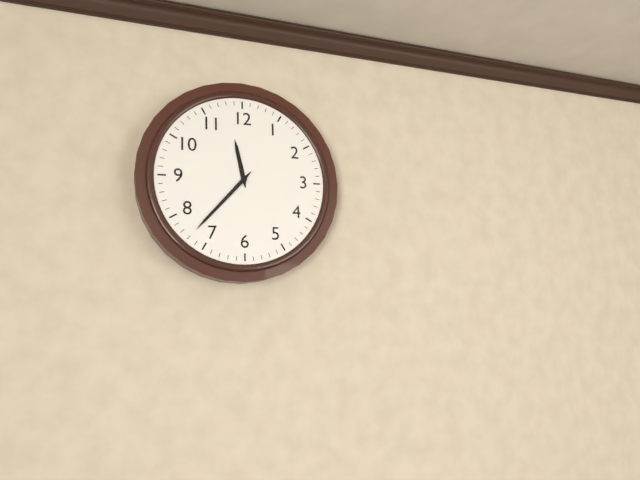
11:37
